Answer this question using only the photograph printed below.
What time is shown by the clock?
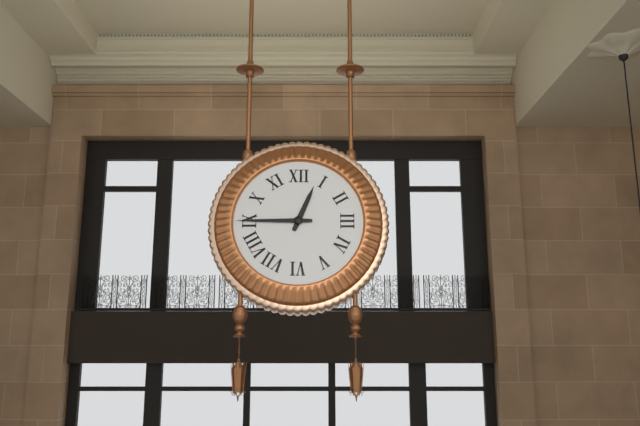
12:45
